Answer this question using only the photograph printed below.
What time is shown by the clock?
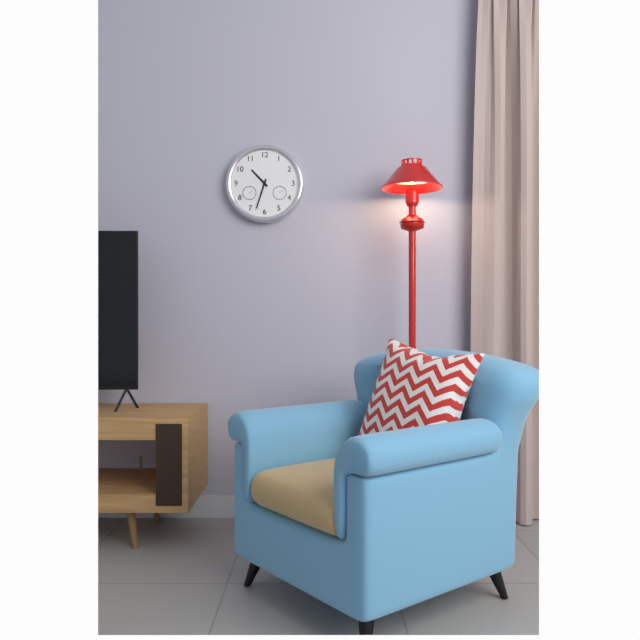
10:33
